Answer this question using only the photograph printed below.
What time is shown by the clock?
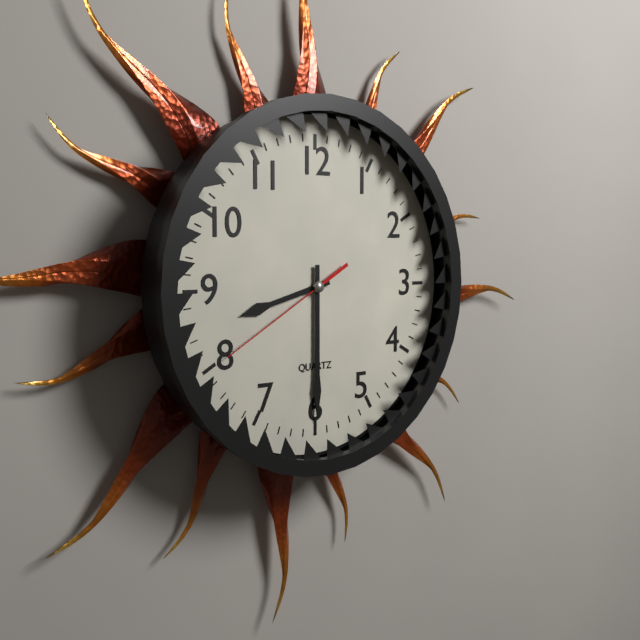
8:30:40
